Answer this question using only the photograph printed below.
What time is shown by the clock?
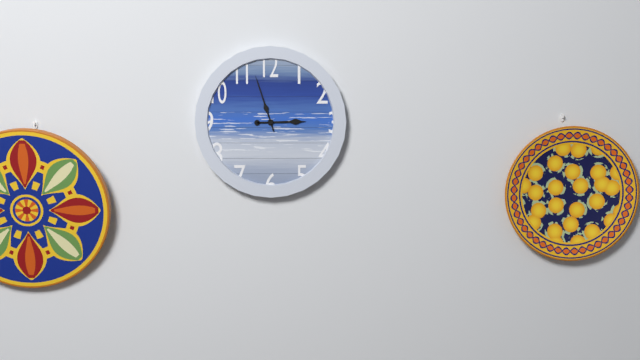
2:57
